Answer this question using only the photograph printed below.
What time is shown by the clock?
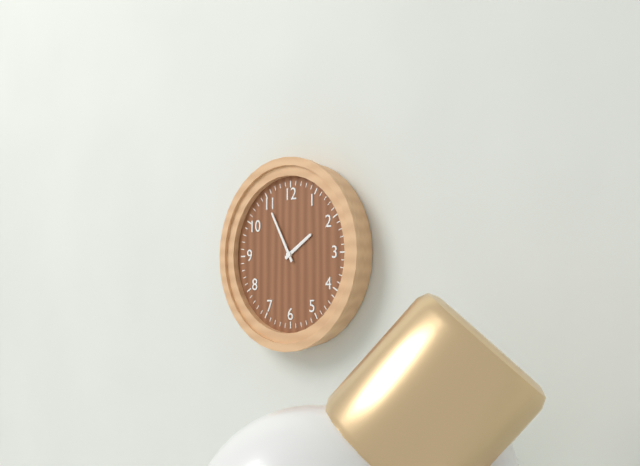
1:55
